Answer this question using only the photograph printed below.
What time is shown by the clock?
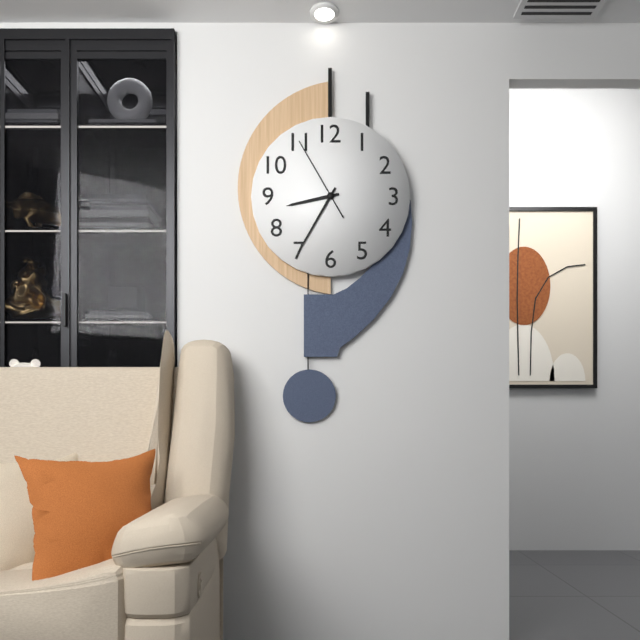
8:35:55
